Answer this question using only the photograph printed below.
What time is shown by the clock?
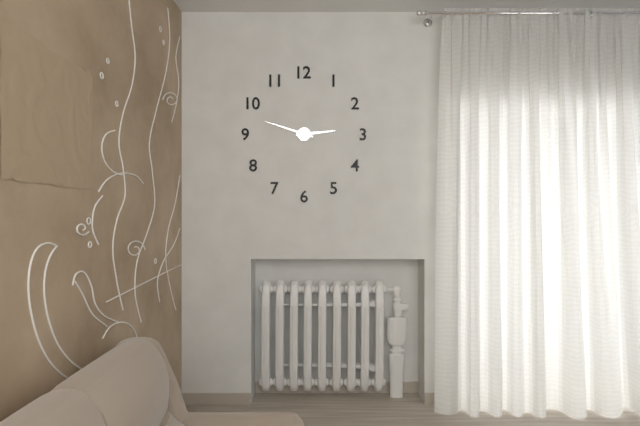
2:48
